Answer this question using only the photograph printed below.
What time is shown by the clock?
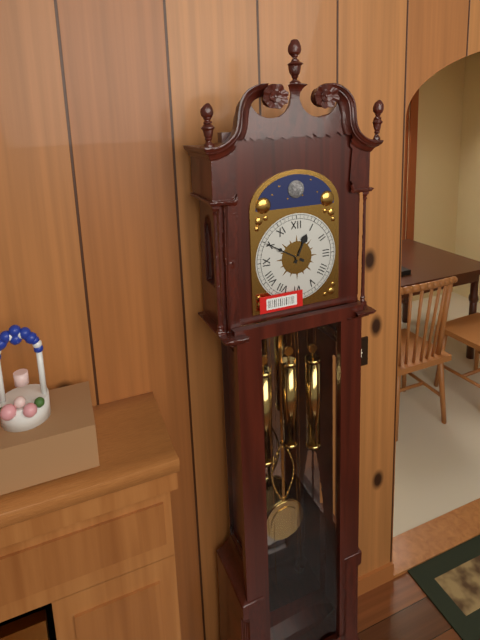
12:50
